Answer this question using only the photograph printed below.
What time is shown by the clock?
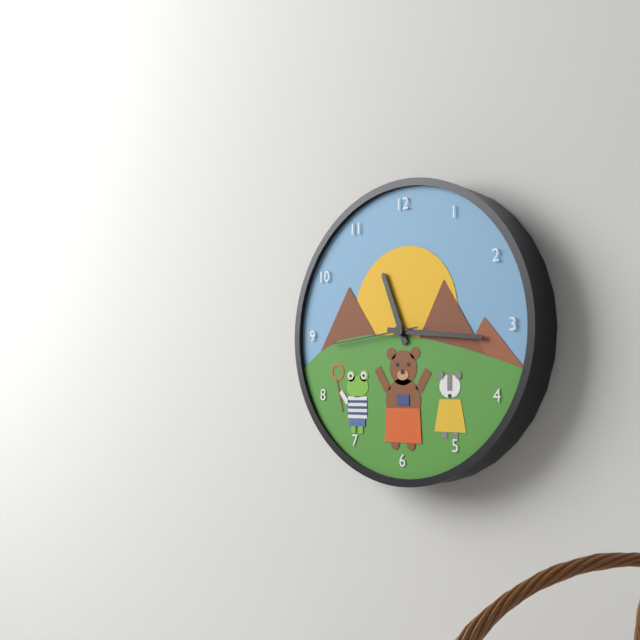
11:16:44
